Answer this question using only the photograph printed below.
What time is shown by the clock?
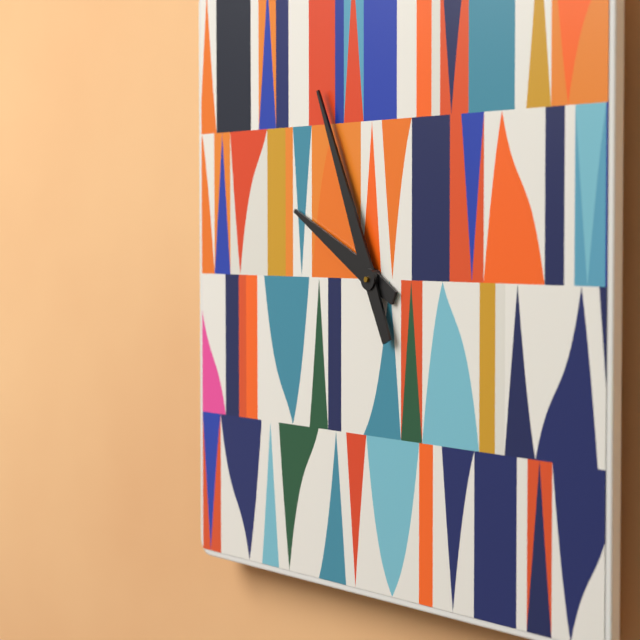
9:56
